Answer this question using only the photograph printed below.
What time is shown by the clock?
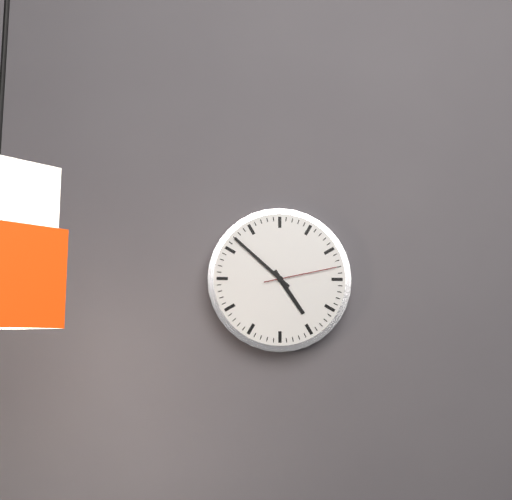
4:52:13
